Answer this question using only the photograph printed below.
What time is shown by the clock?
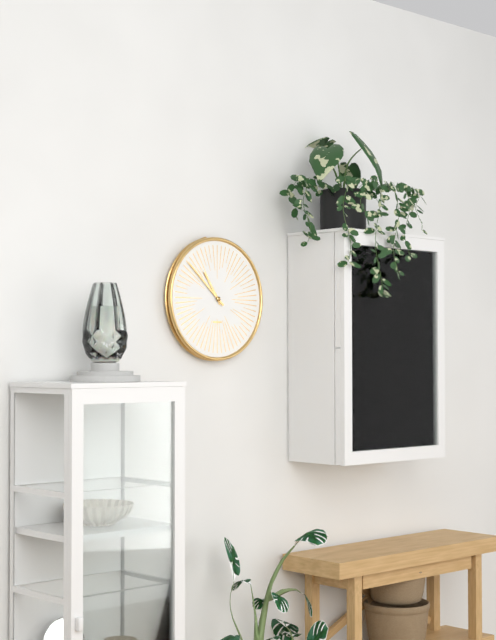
10:52
